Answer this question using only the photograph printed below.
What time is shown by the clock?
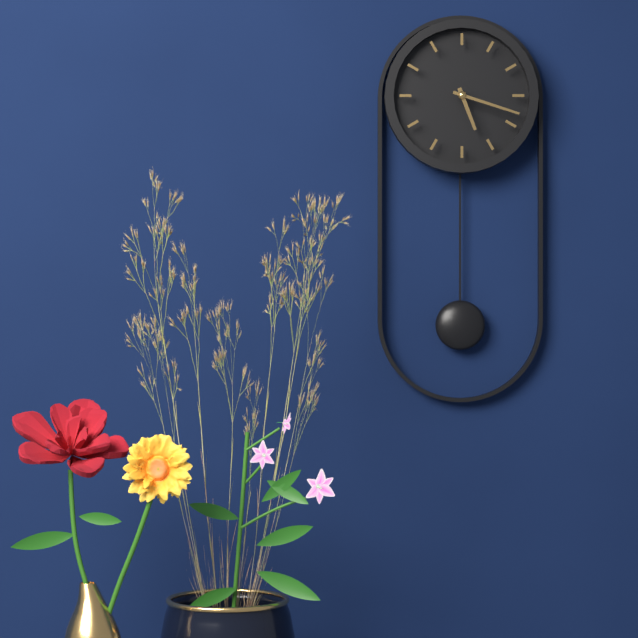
5:18
